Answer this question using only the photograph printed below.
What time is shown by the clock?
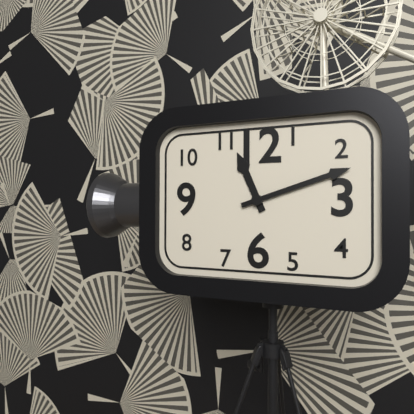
11:12
